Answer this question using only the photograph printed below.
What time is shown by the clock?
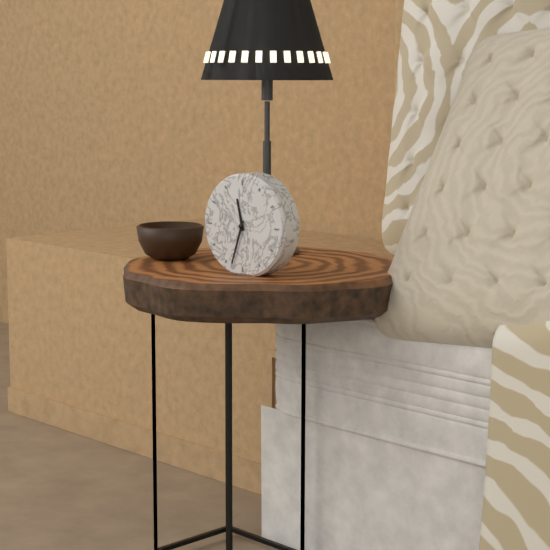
11:33
